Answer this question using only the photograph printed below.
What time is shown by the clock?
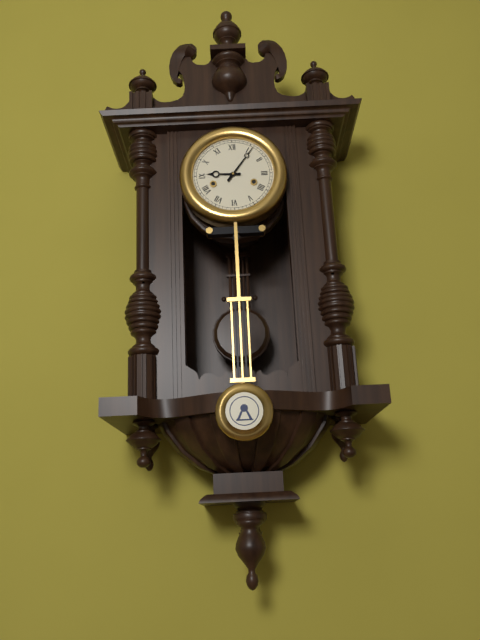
9:06
